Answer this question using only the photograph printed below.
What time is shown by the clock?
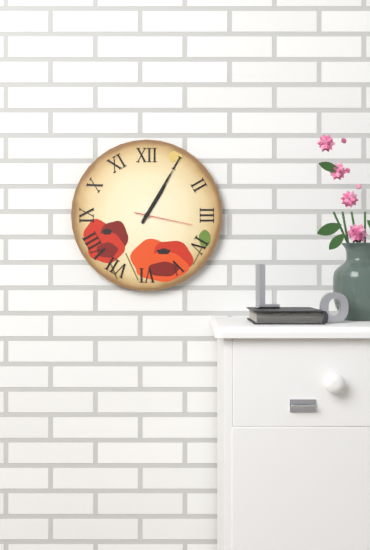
1:05:17
